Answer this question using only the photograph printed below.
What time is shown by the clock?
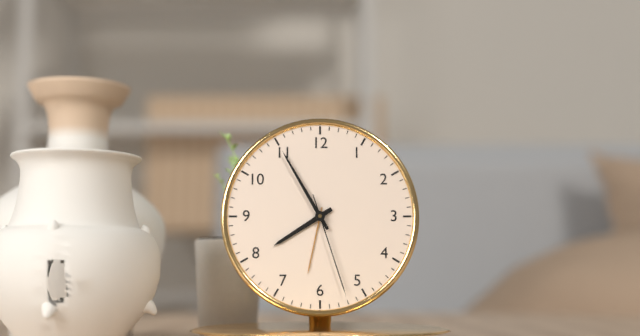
7:55:27
